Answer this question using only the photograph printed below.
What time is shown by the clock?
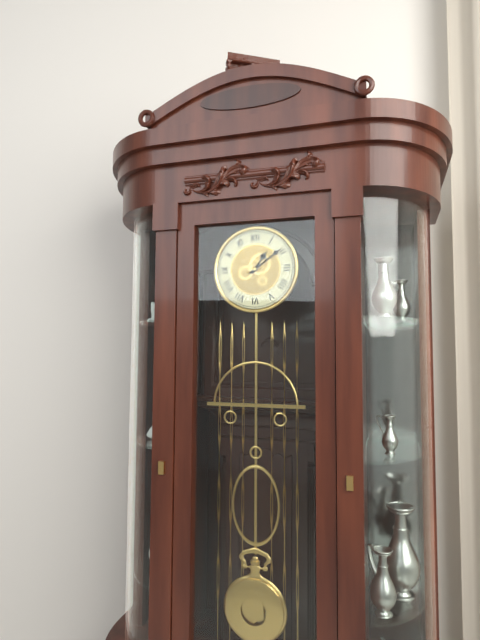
1:09
